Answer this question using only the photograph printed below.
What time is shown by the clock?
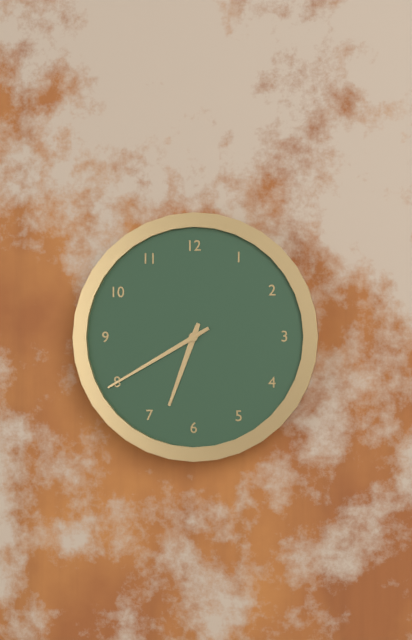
6:40
